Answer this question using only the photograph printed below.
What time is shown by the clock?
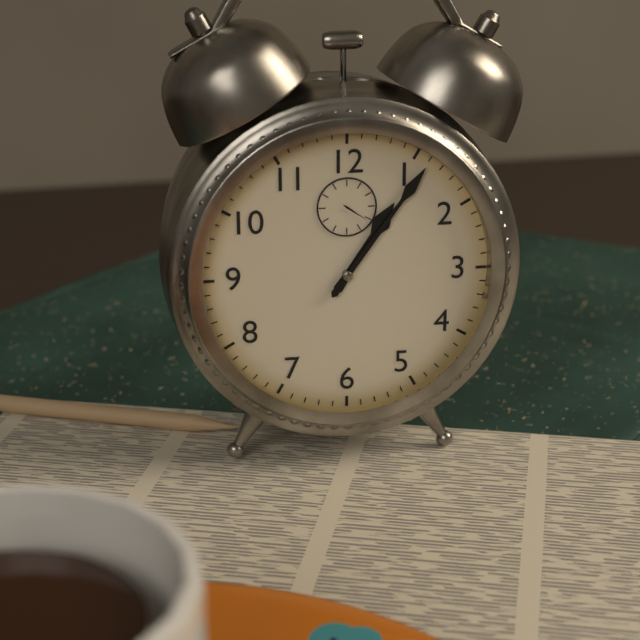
1:06
